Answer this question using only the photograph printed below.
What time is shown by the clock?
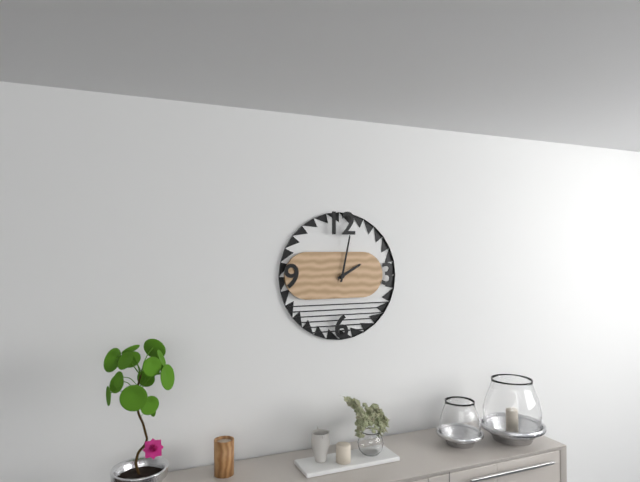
2:02
